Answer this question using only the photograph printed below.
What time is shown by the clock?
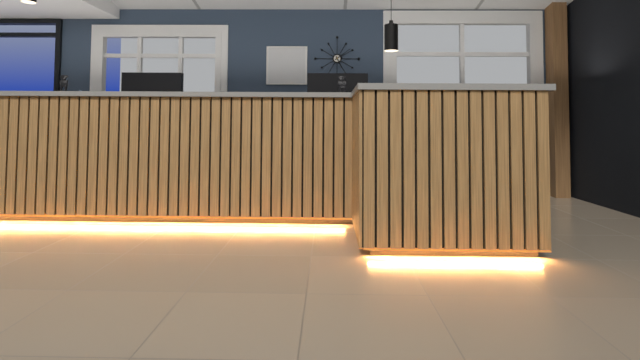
5:09
